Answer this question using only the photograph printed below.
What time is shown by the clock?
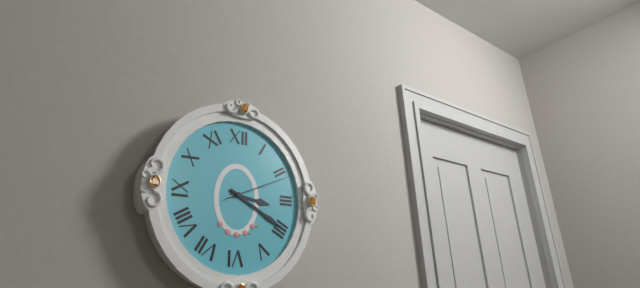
3:20:11
